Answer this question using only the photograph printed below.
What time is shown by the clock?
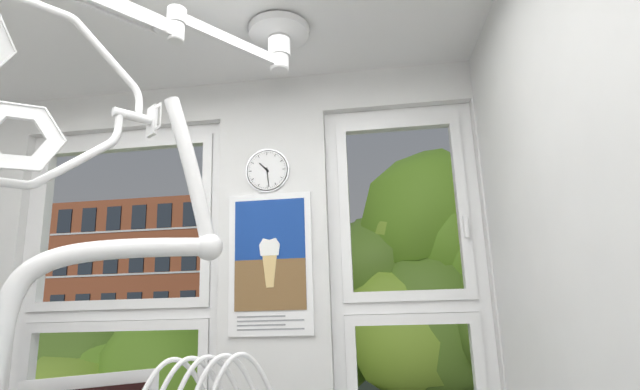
10:29
